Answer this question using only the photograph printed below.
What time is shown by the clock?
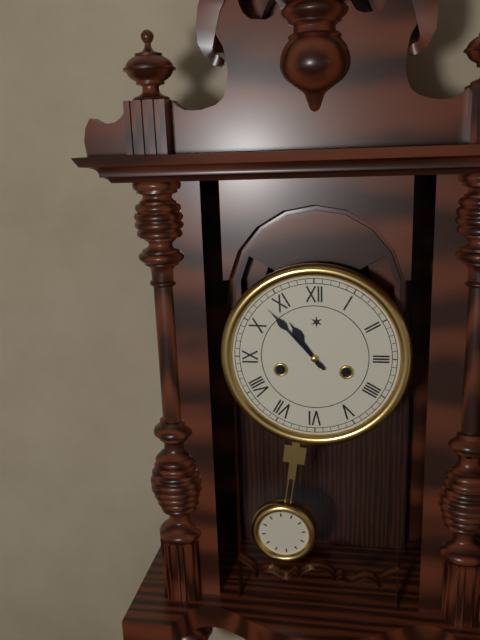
10:53
